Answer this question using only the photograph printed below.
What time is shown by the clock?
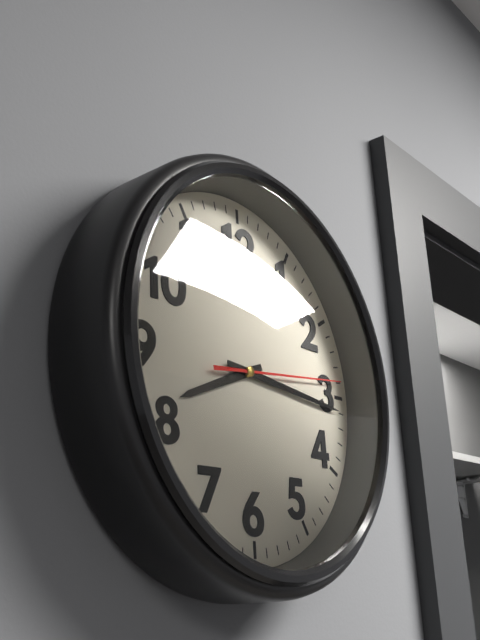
8:16:14
